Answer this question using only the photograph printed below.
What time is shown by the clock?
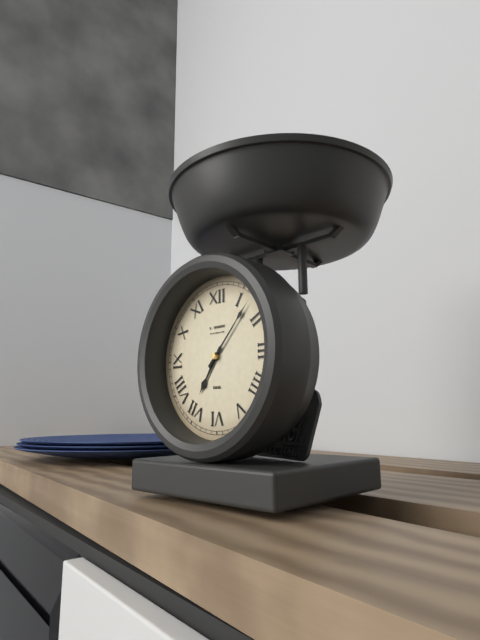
7:07
